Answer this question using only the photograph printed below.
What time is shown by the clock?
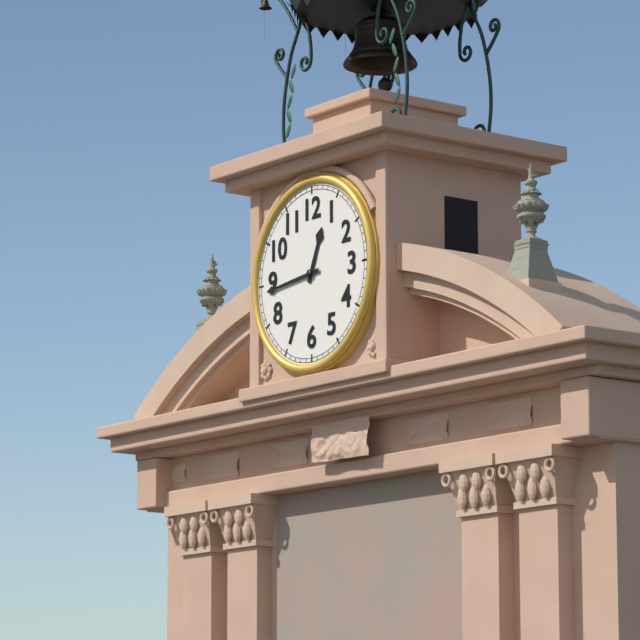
12:44
